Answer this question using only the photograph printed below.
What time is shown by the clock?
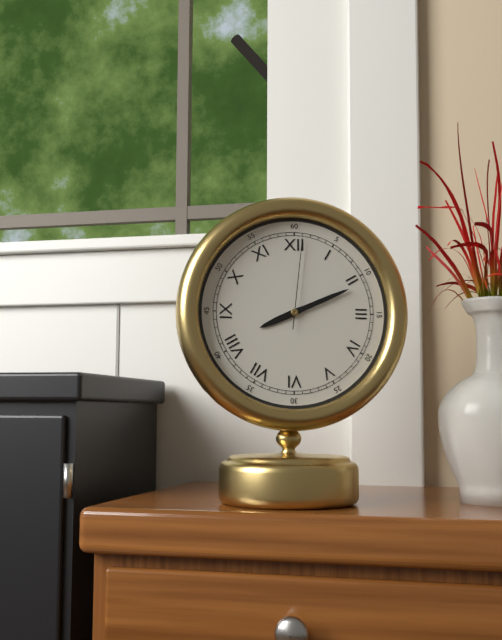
8:11:01
